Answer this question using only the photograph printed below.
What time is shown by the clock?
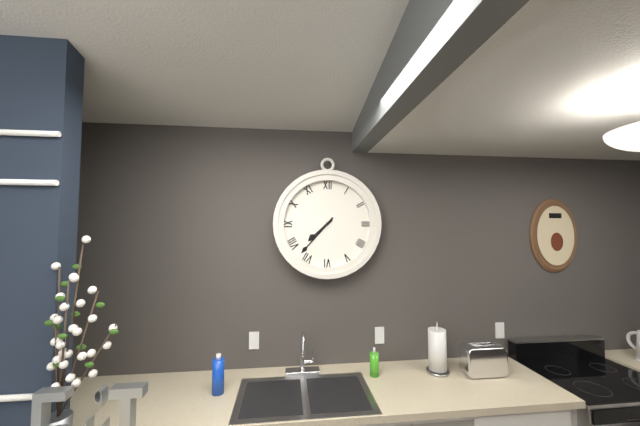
7:37
